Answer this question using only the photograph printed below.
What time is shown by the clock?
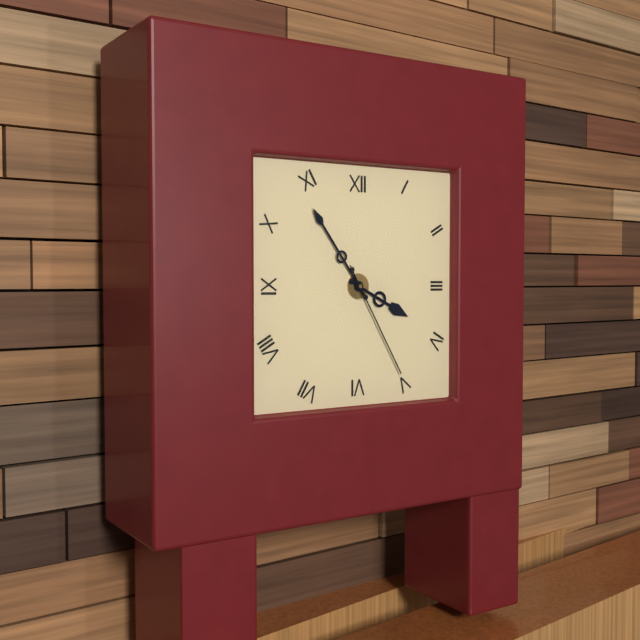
3:54:25
